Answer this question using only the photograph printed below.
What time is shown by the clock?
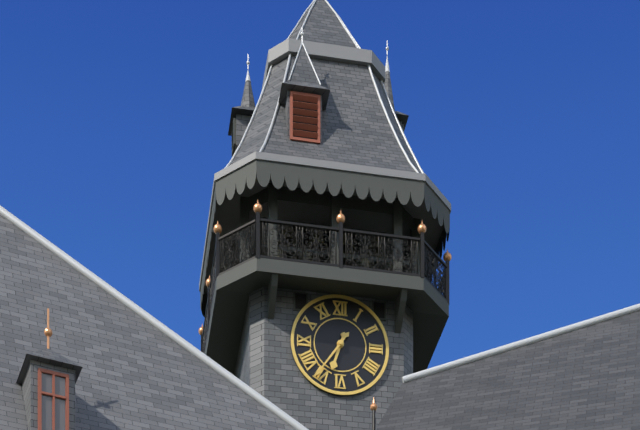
6:36
